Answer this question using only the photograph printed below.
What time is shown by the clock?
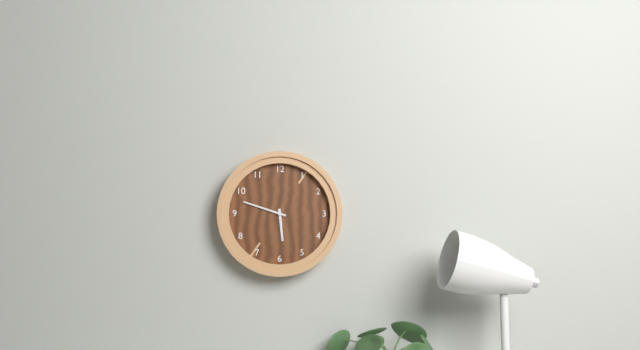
5:48
